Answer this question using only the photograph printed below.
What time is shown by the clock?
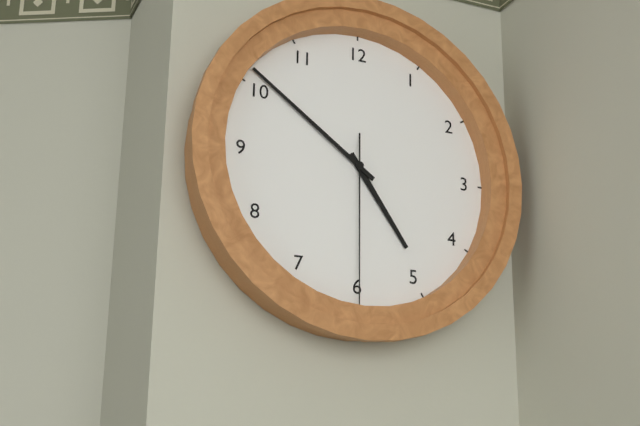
4:51:30
